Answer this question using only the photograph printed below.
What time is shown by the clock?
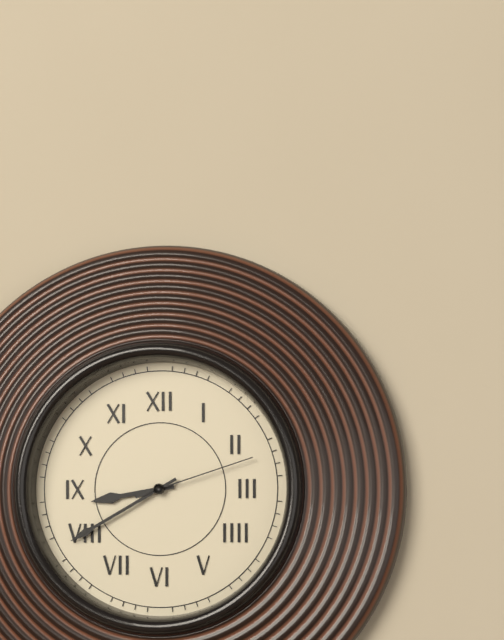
8:40:12
